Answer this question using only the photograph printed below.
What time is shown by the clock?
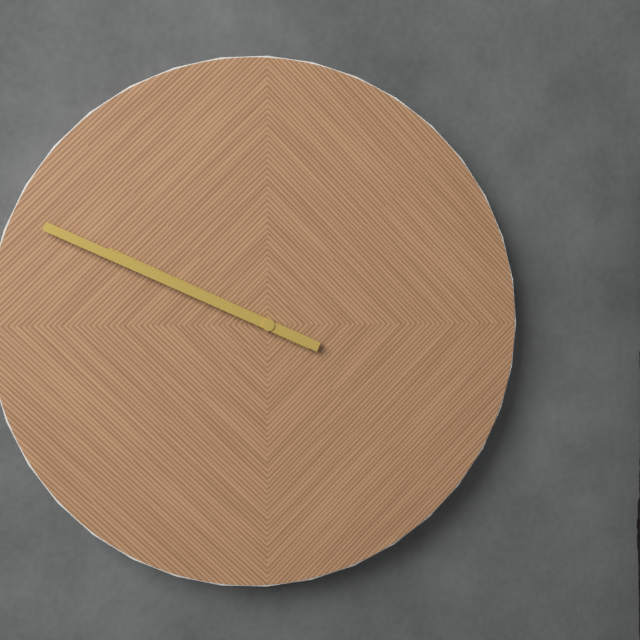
9:49
